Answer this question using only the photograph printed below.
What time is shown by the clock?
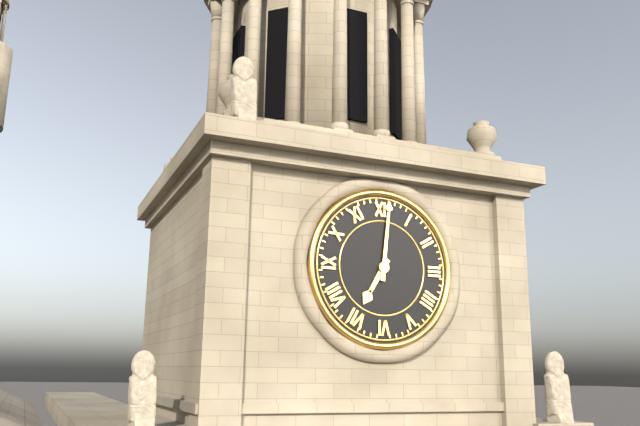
7:01
